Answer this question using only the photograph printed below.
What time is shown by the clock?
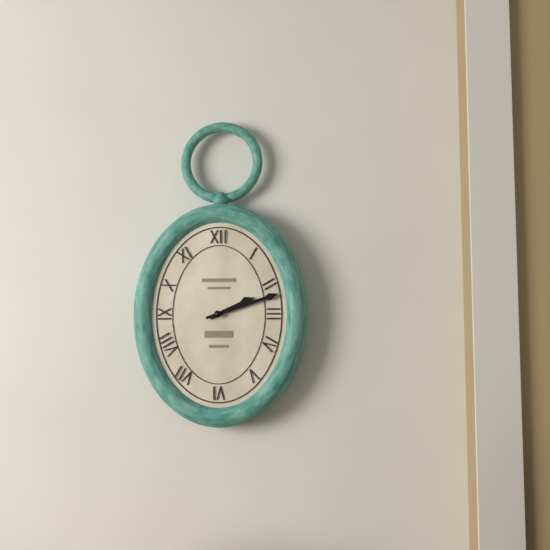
2:12
